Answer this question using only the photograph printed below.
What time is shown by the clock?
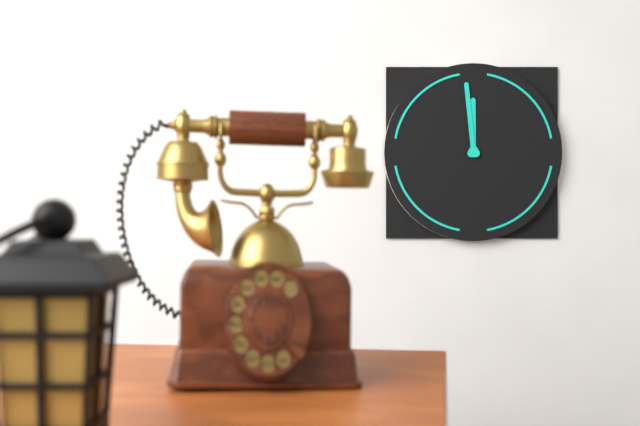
11:59
